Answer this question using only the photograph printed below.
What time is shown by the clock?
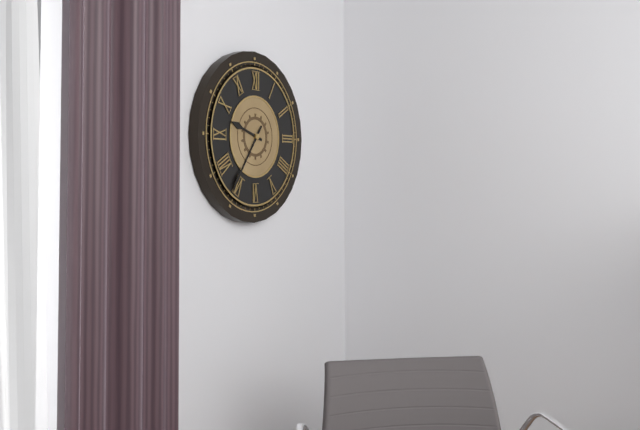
9:36
